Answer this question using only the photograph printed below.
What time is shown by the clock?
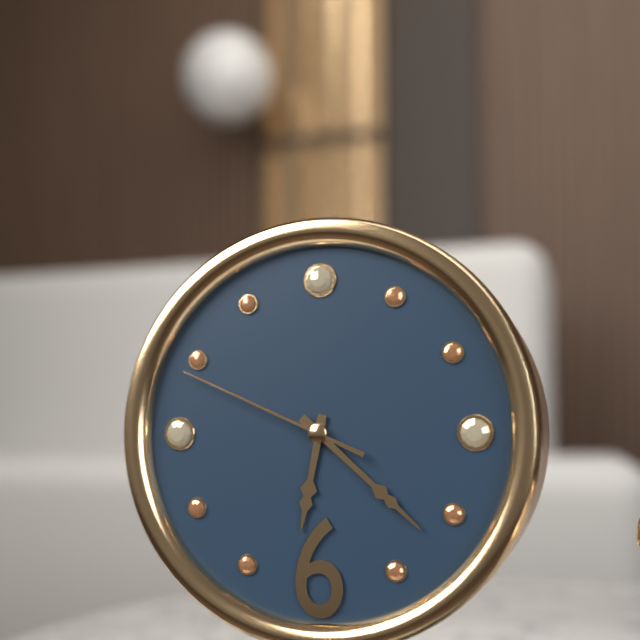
6:22:49
